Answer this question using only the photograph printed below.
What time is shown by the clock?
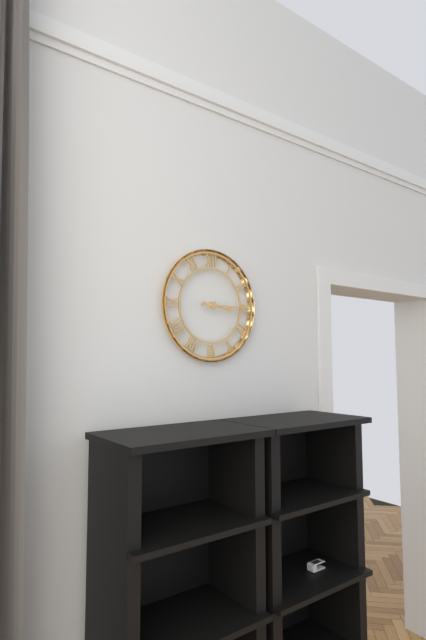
3:15
